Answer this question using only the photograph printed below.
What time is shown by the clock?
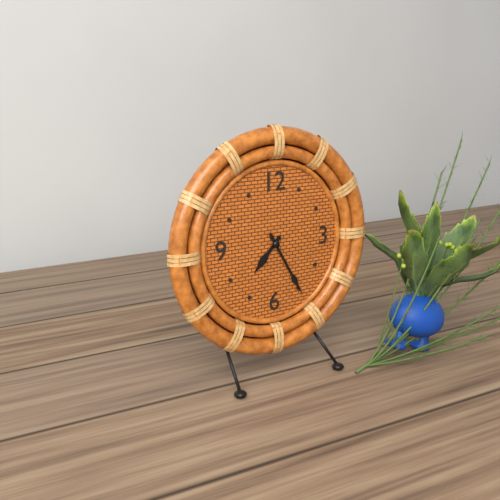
7:25
